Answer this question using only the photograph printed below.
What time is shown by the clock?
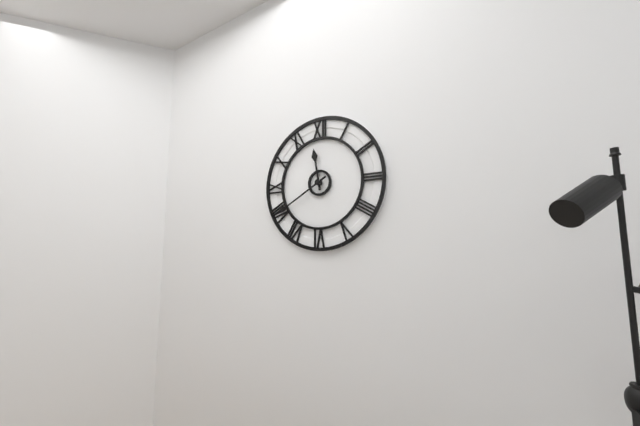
11:40
